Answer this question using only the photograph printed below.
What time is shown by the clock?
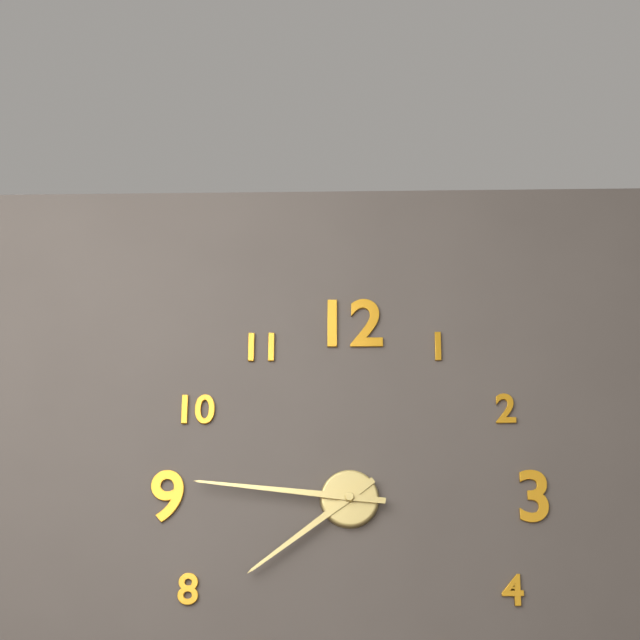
7:46
